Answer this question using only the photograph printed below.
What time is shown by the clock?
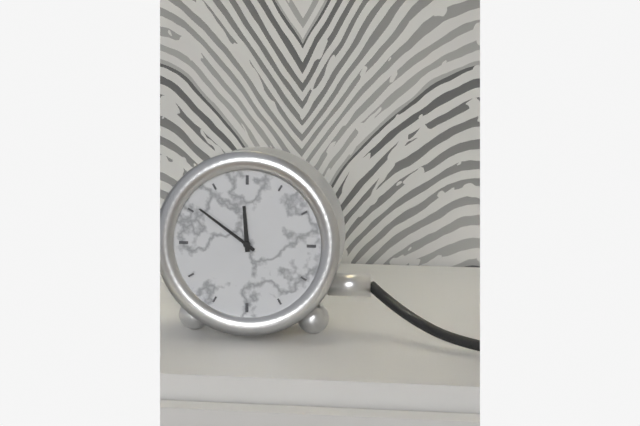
11:51
